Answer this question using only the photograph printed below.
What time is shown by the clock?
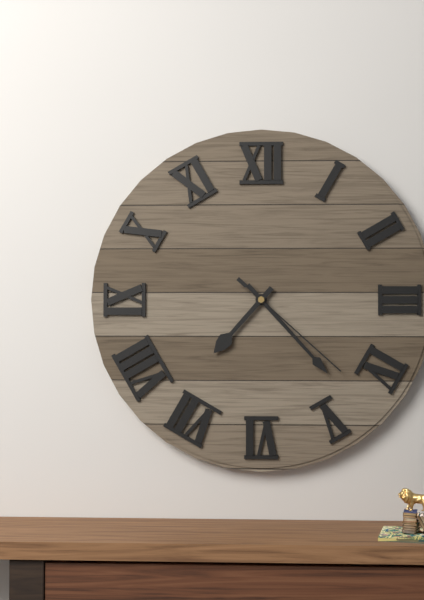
7:23:22
